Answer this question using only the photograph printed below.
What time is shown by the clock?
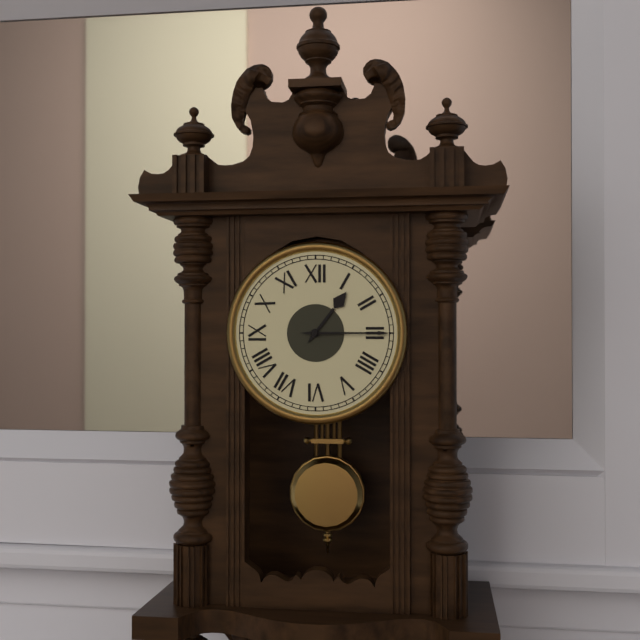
1:15
